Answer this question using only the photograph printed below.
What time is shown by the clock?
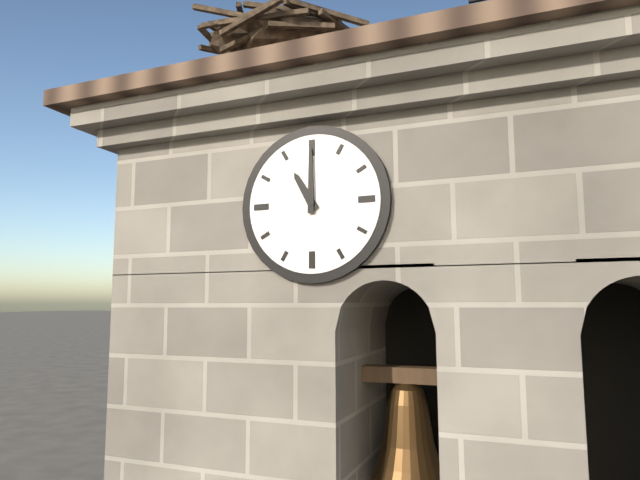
11:00
